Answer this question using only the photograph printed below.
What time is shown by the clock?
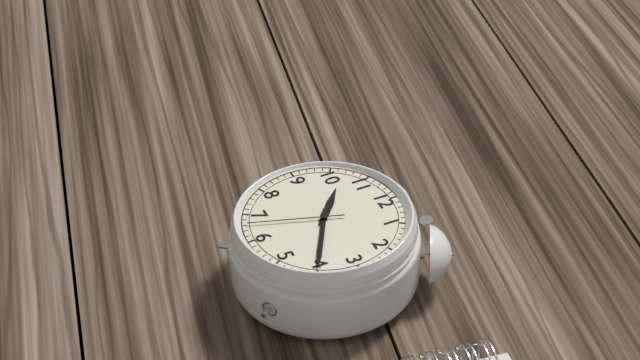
10:20:33
